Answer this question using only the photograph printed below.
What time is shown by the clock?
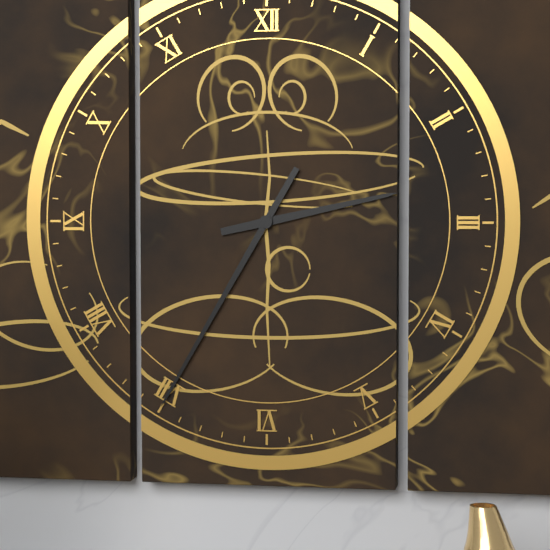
2:35
